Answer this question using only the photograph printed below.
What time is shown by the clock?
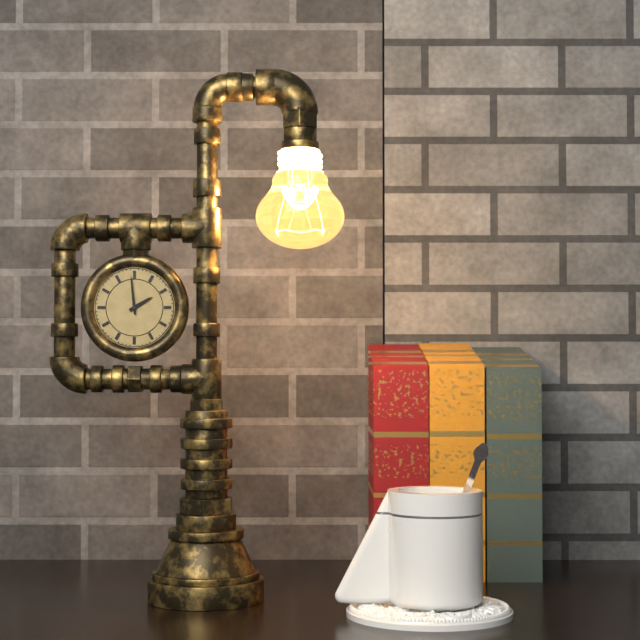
1:59
